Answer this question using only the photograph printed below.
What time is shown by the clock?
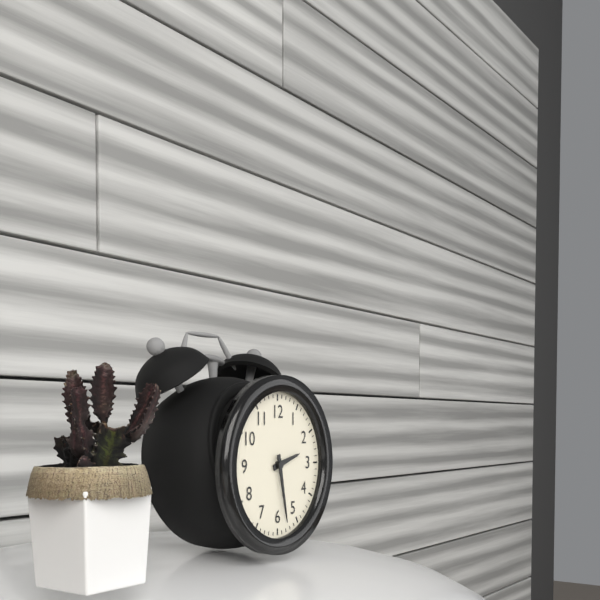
2:28
